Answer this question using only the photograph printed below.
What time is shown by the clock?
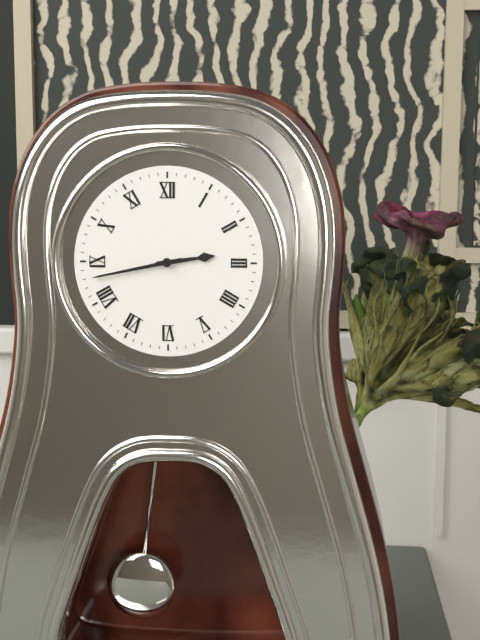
2:43
